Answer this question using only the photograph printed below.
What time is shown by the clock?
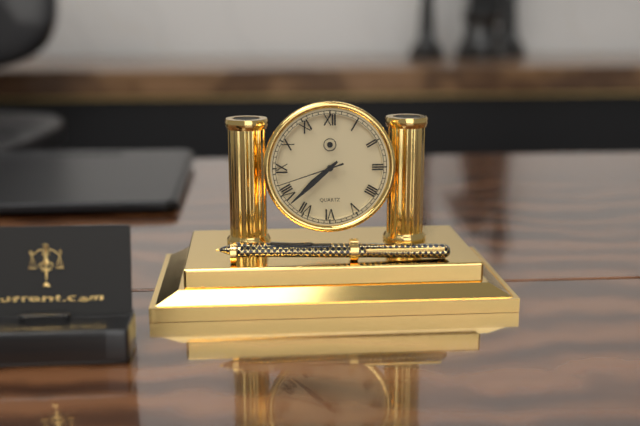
7:38:42
